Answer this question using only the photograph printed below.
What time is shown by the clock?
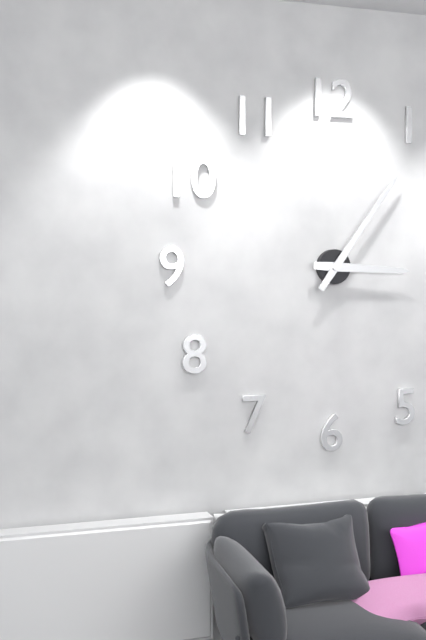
3:06
